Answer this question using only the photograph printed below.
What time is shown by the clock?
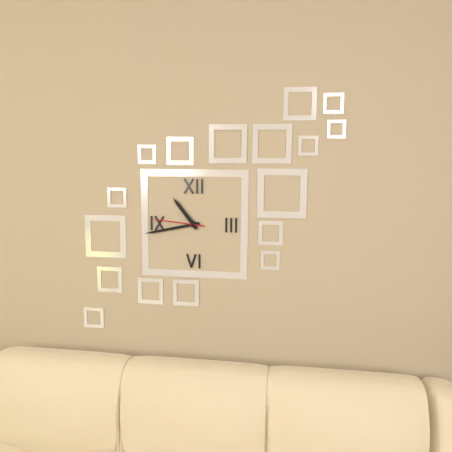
10:43:46
